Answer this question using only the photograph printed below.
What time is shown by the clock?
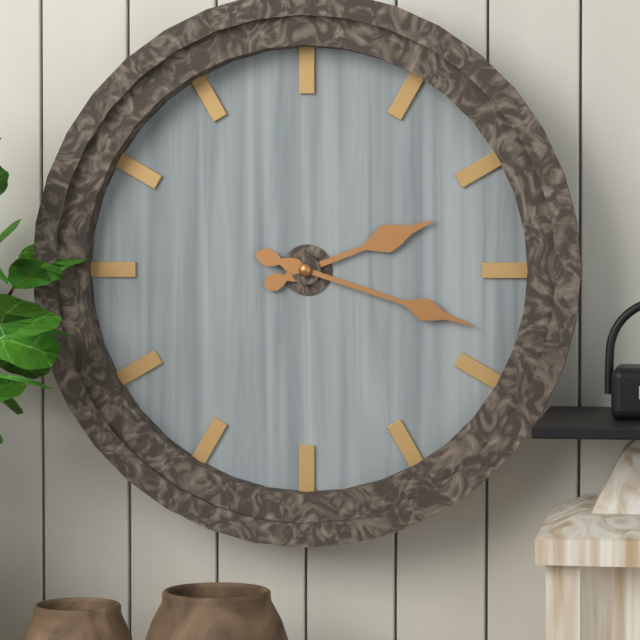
2:18
